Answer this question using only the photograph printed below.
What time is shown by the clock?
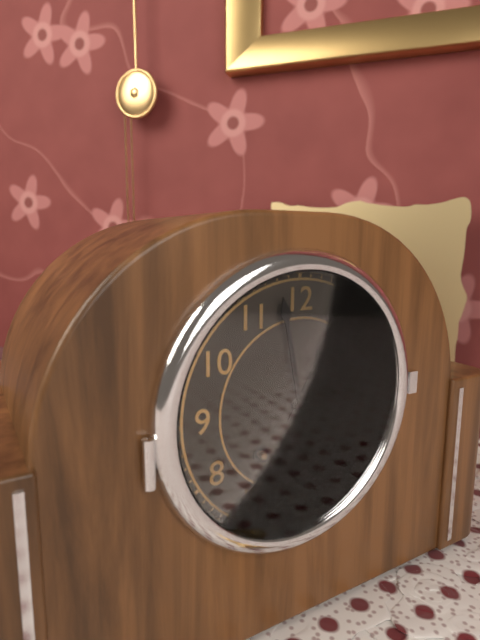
12:58
